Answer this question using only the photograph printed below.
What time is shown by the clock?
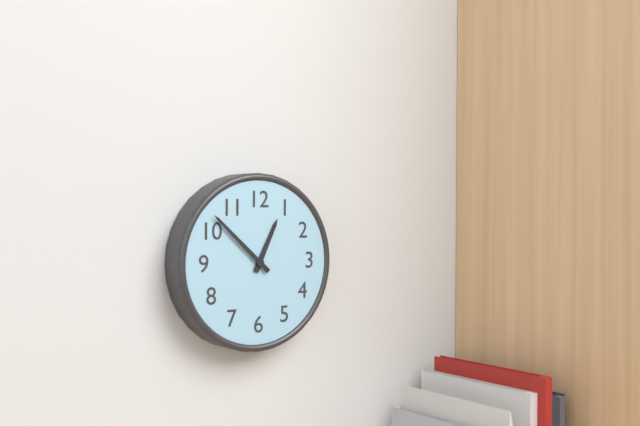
12:52
